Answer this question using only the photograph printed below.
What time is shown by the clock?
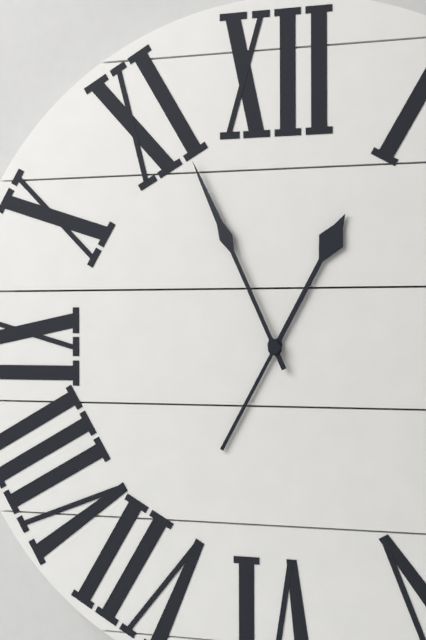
12:56
